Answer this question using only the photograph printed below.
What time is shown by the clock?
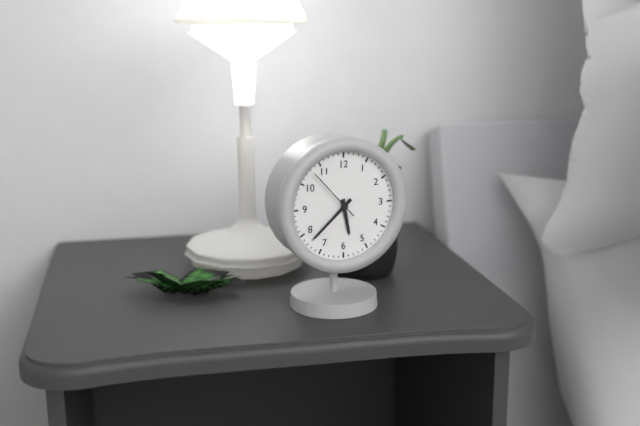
5:38:53
